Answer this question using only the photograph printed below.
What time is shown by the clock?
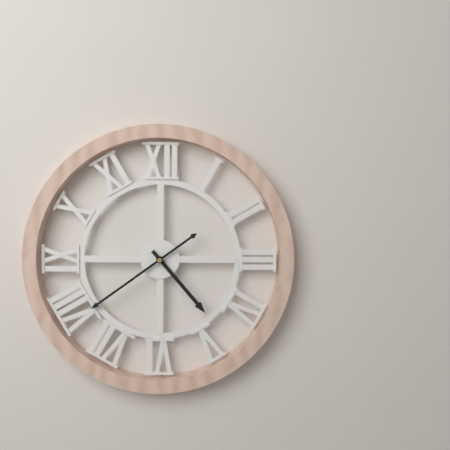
4:39
